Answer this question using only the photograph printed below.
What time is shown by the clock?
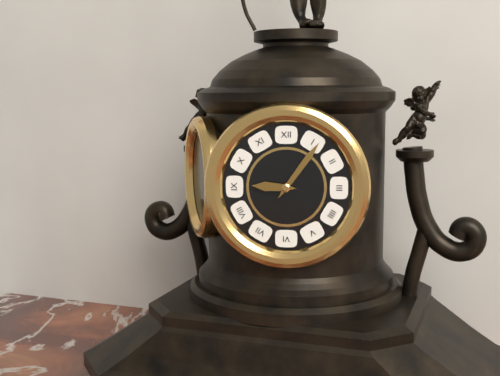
9:06
